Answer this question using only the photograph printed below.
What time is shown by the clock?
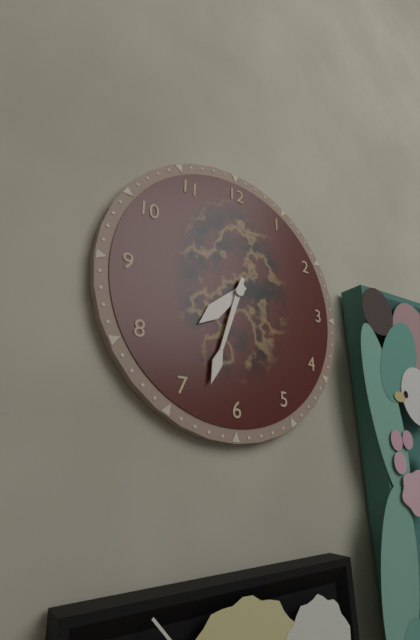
7:33
